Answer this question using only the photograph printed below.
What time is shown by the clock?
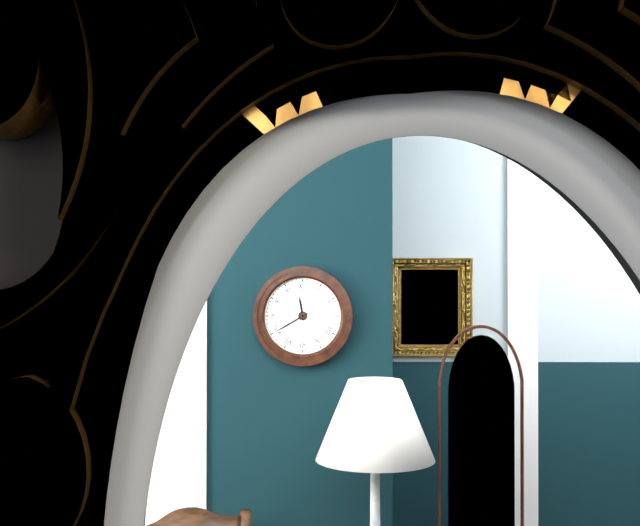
11:40
